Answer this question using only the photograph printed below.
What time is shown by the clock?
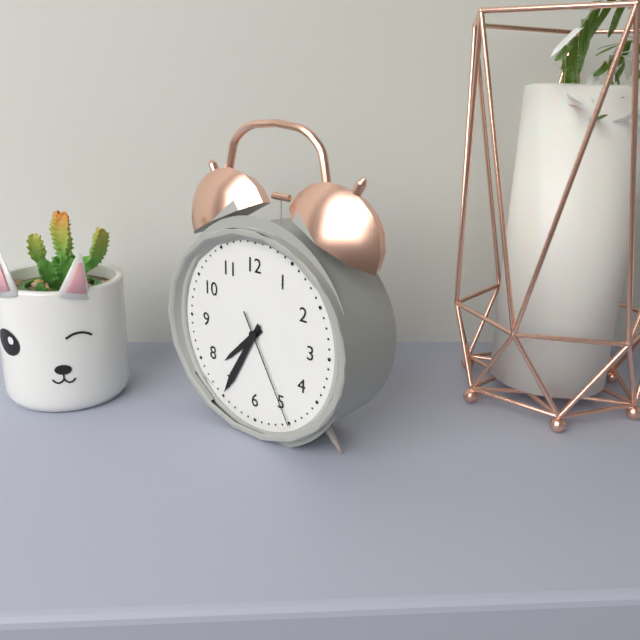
7:35:25
